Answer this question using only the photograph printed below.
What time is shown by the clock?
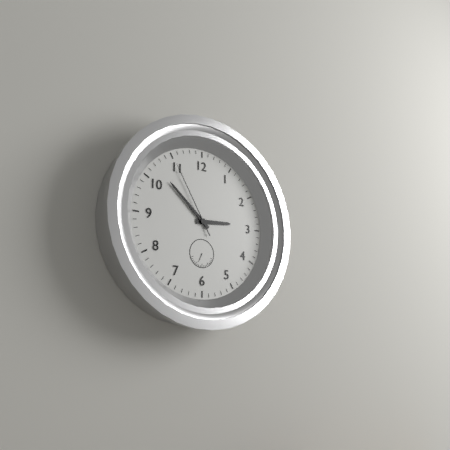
2:52:55
